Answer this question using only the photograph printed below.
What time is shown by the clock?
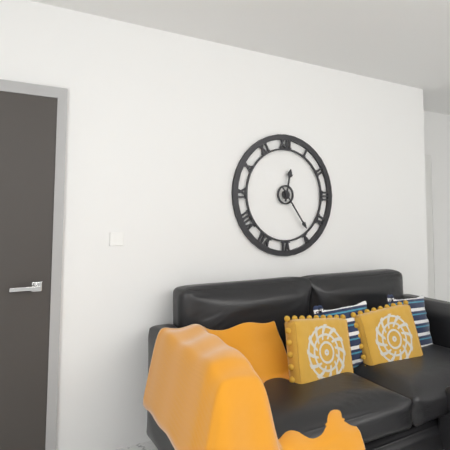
12:24
